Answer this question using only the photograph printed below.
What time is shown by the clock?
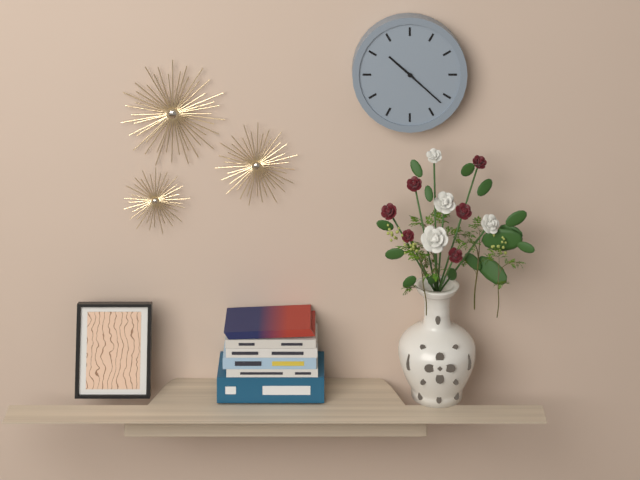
10:22
